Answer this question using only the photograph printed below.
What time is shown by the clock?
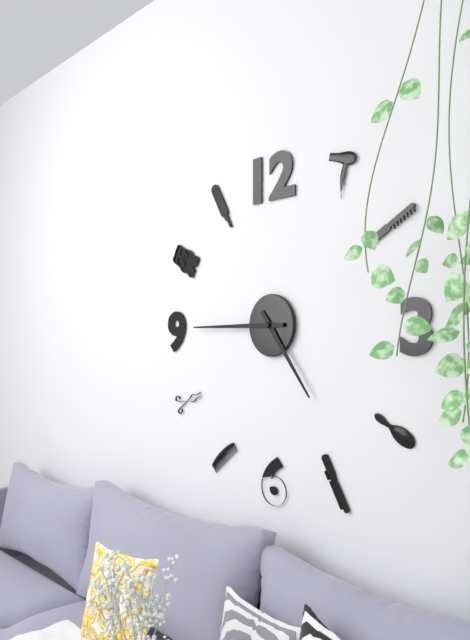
4:45
